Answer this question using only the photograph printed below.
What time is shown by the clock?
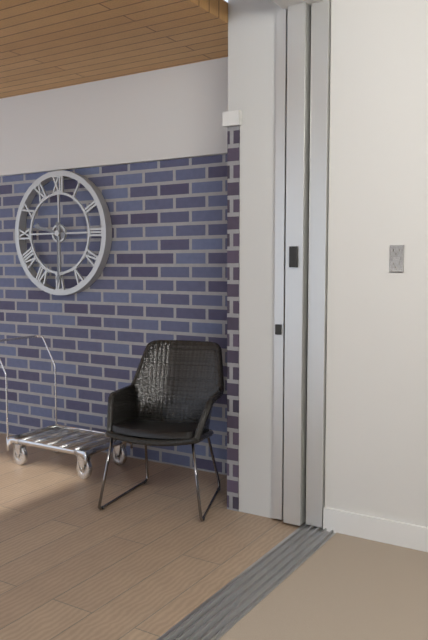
9:30
